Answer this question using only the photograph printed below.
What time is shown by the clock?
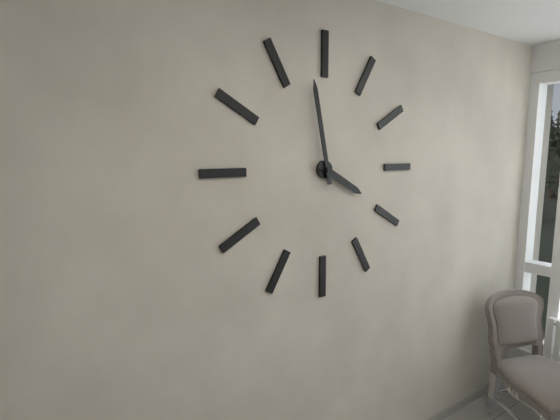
3:58
